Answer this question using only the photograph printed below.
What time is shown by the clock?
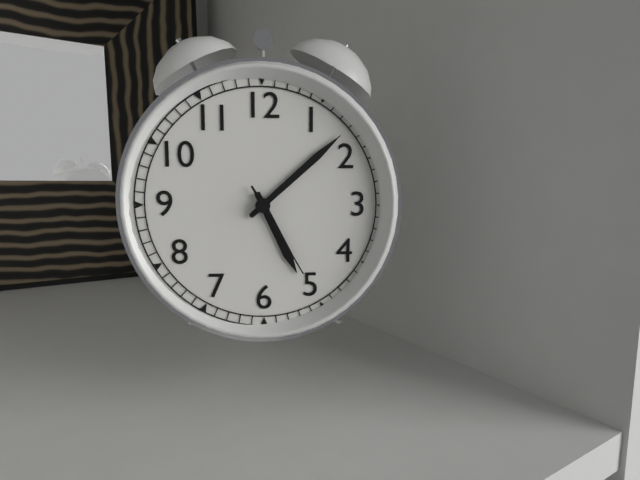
5:08:25
